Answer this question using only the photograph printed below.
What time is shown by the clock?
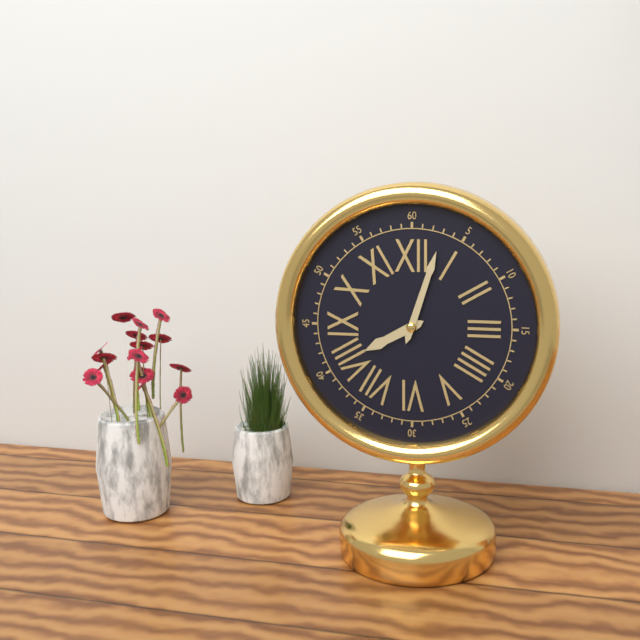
8:03
